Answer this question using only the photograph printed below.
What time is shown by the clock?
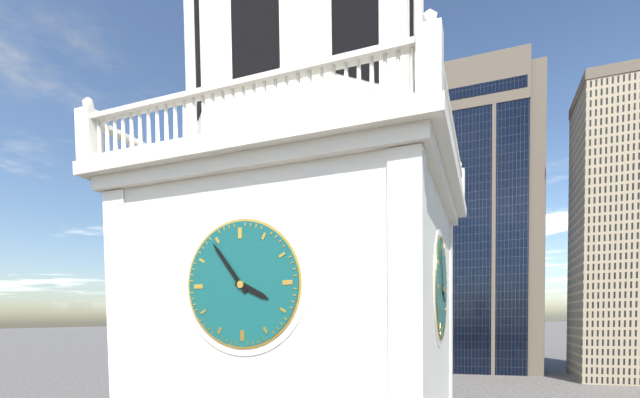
3:54
